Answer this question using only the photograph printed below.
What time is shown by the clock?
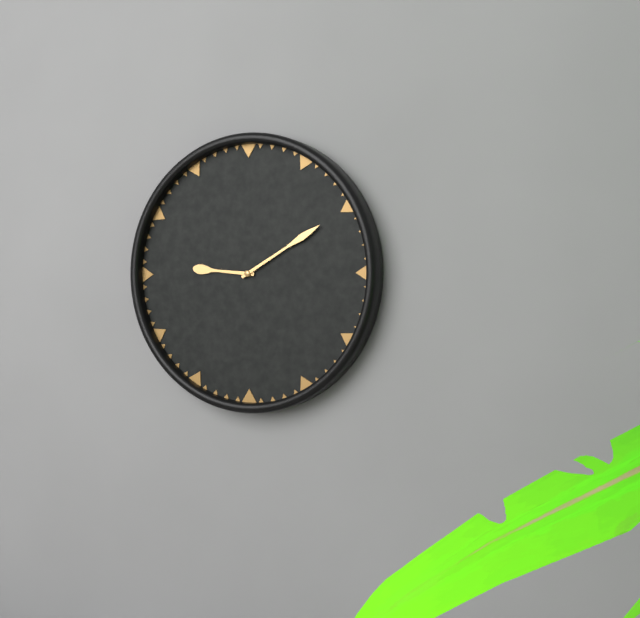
9:10
